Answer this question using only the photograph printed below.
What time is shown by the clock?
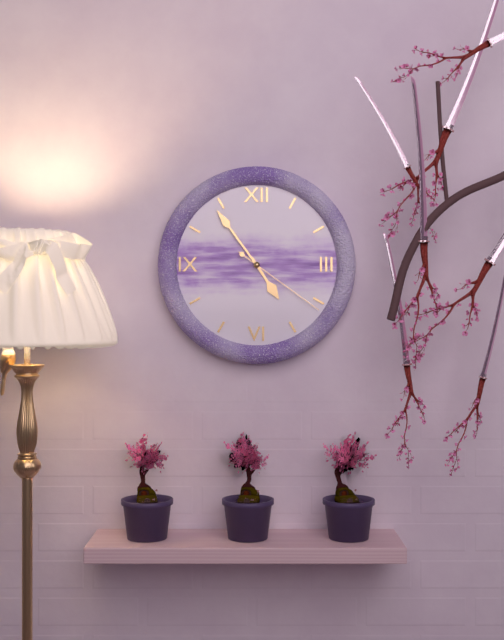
4:54:21
